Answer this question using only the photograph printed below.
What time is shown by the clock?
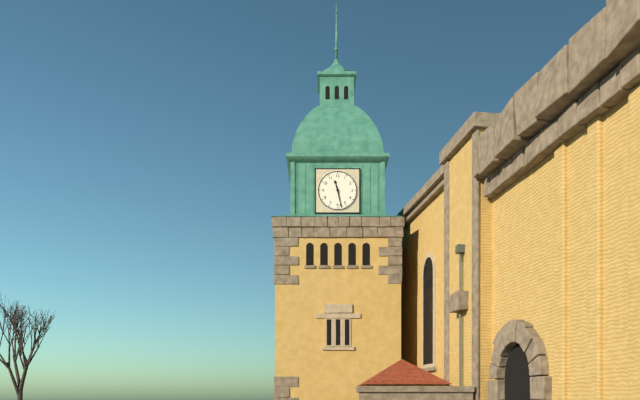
11:28
